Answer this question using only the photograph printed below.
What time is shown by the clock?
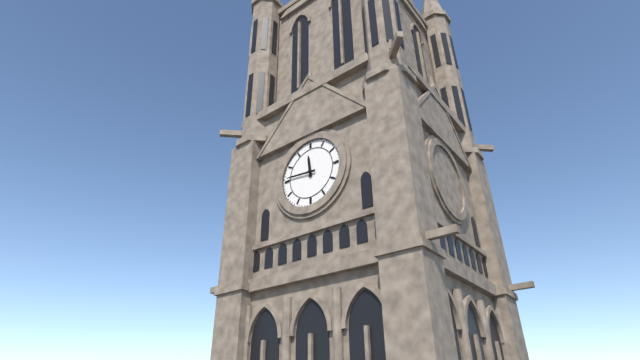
11:46
